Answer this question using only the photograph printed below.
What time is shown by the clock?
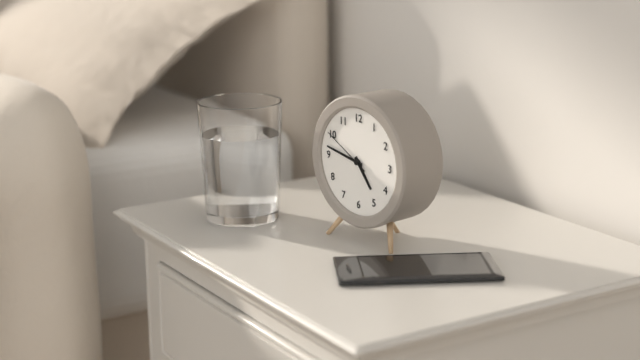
4:47:50
